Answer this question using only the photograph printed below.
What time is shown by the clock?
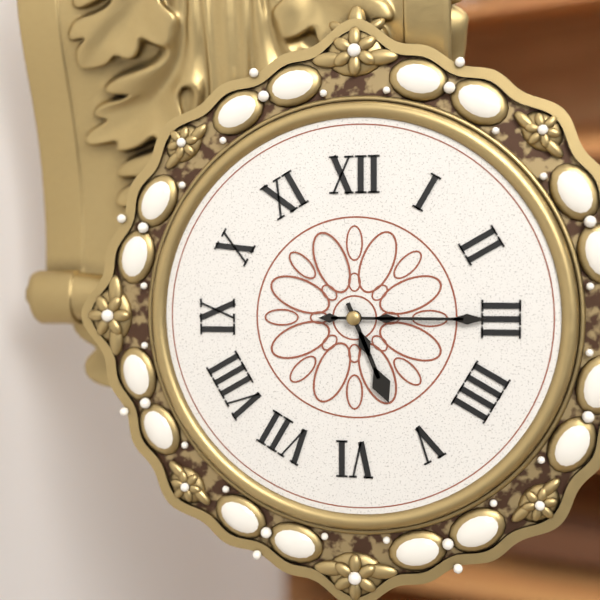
5:15
